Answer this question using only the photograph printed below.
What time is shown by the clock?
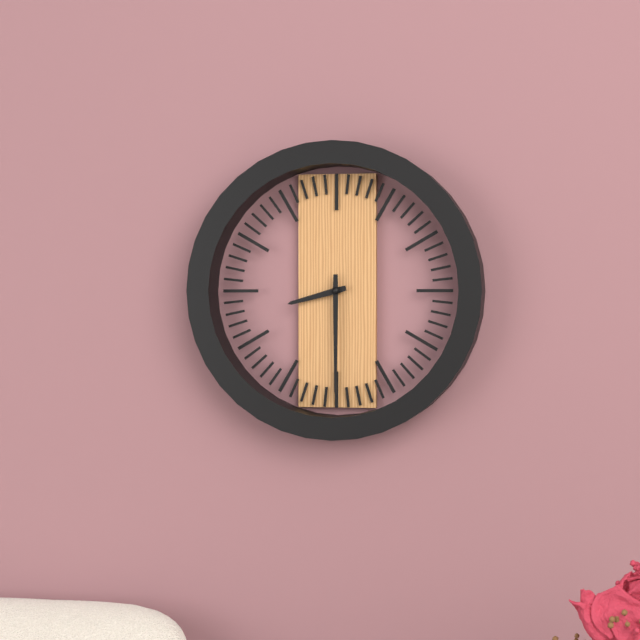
8:30
